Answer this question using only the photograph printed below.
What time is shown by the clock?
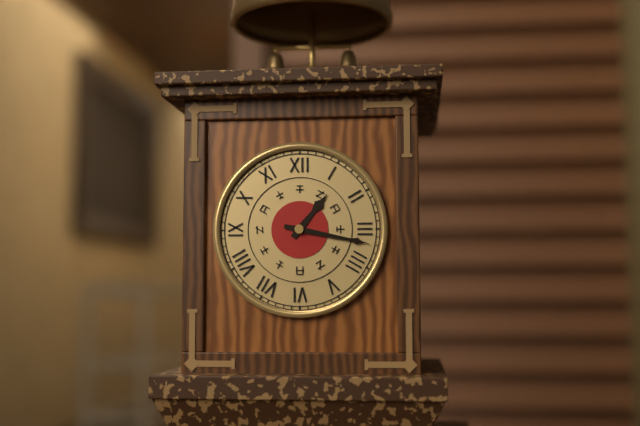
1:17
